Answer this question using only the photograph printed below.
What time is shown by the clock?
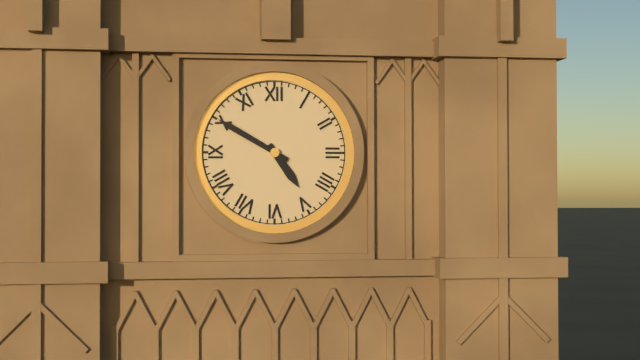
4:50
